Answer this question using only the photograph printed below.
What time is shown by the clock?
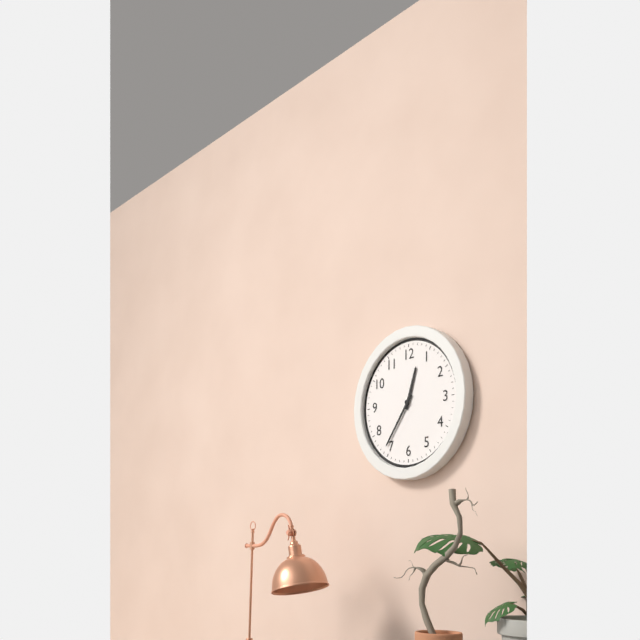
12:36
